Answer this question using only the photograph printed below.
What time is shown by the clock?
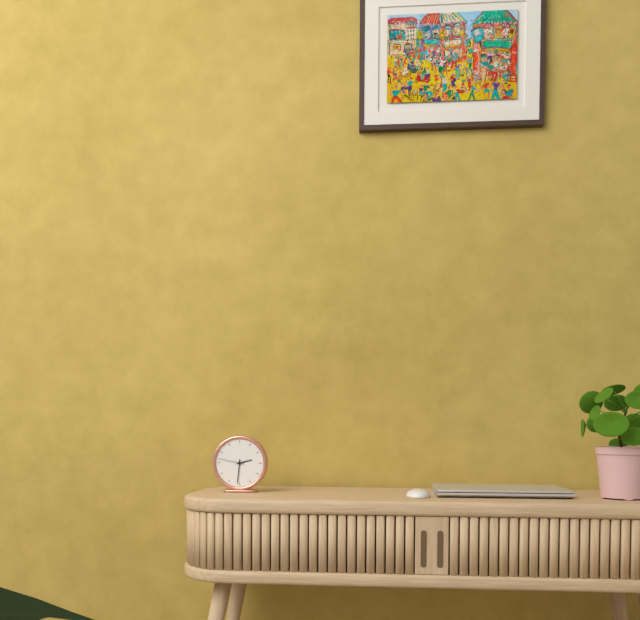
2:31
